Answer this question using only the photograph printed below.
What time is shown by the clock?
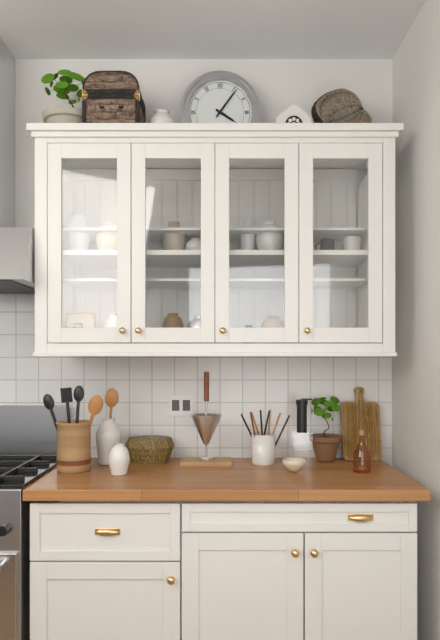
4:06
